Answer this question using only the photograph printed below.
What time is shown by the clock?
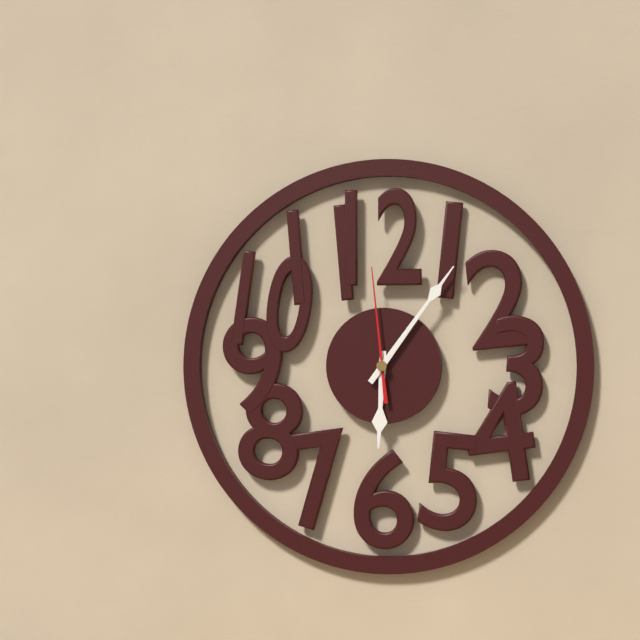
6:06:59
